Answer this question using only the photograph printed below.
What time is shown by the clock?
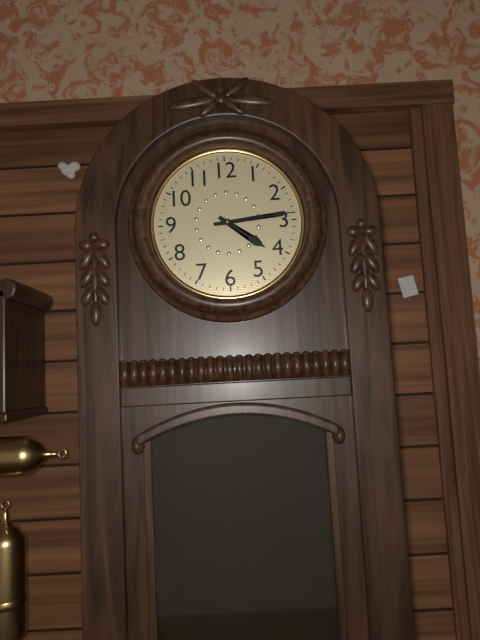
4:14
